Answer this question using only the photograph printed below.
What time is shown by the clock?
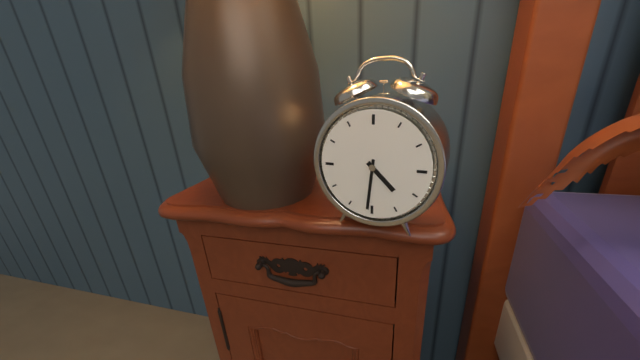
4:31
